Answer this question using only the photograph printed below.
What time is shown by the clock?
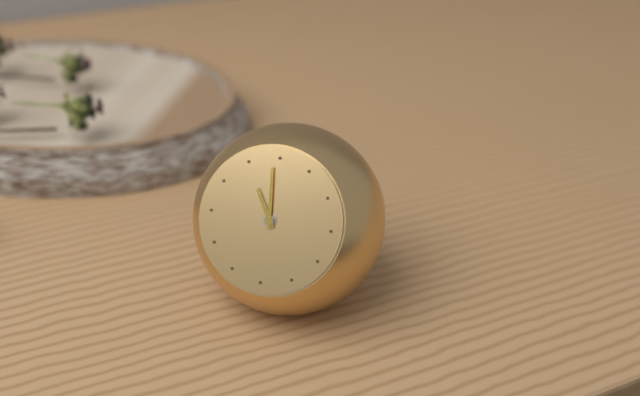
10:59
